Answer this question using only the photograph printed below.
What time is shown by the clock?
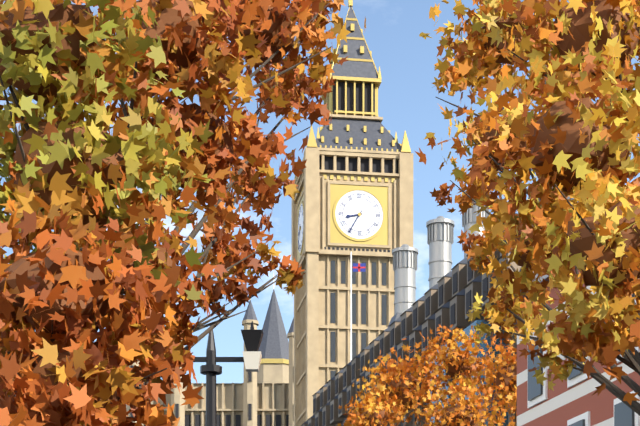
8:35
